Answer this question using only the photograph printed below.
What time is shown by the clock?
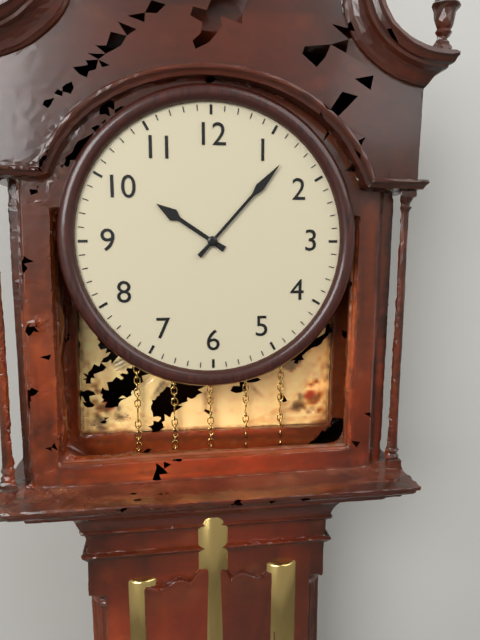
10:07
